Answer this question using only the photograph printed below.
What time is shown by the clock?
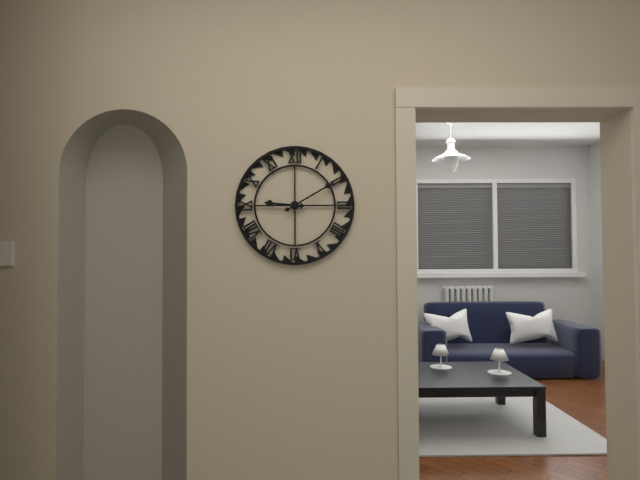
9:10
